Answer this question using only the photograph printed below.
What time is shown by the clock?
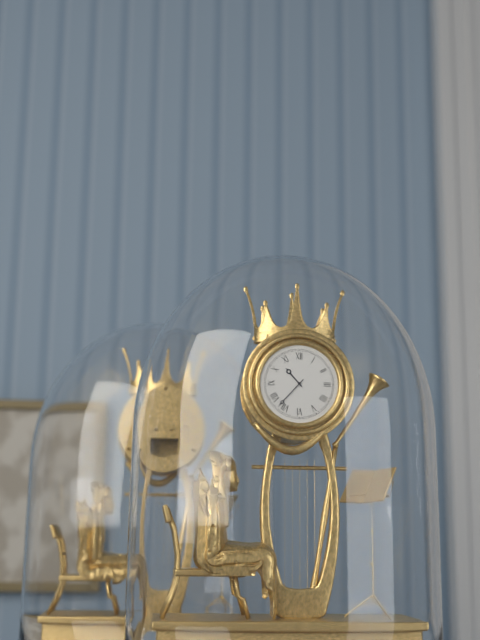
10:37
